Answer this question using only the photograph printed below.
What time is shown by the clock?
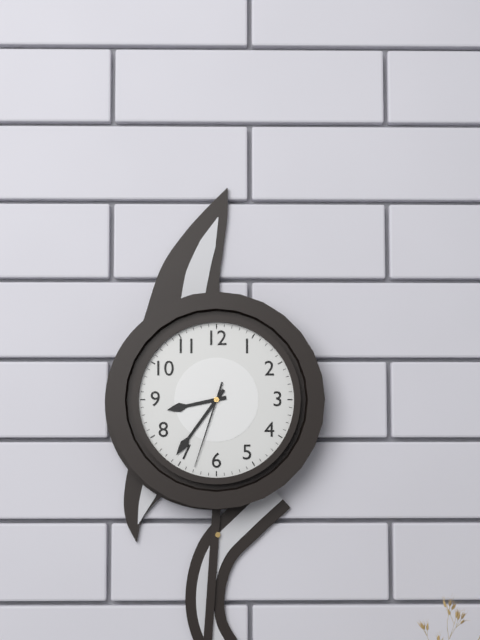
8:36:33
